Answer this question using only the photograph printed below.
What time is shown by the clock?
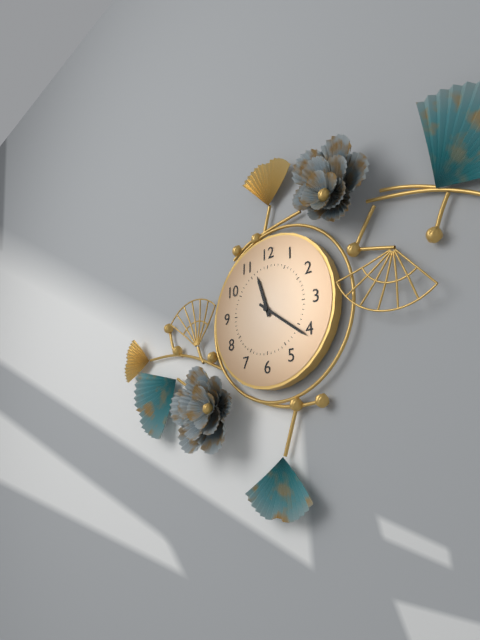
11:21
